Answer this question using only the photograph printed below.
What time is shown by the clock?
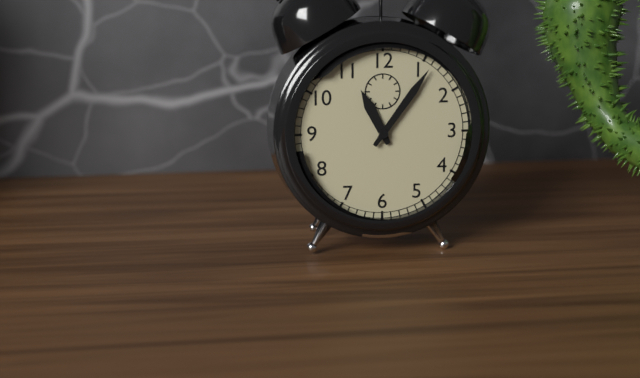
11:06
